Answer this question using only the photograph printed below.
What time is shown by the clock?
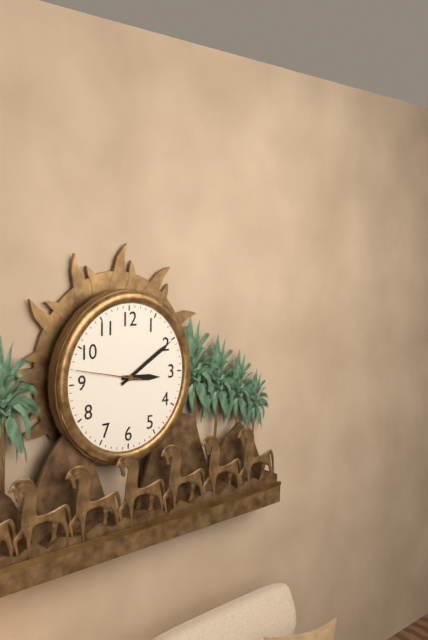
3:10:47
